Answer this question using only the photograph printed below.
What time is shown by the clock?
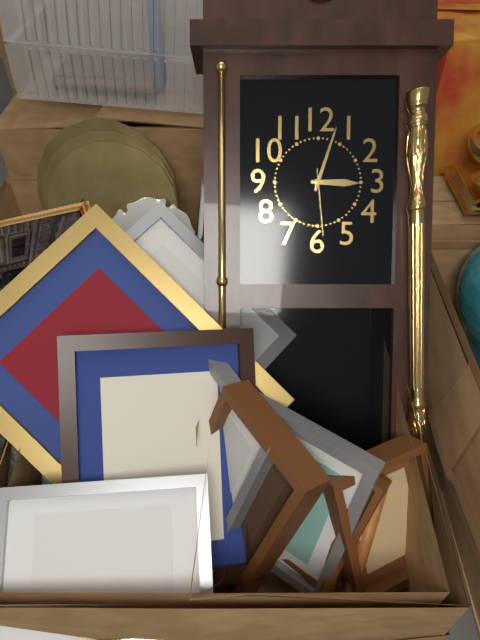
3:03:29
